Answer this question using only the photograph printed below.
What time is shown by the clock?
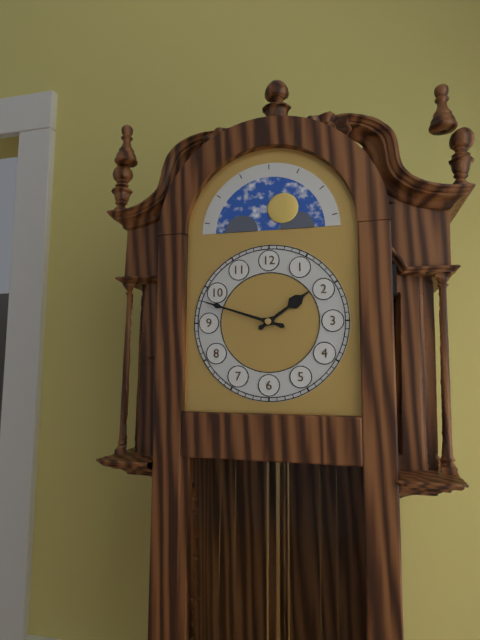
1:48
